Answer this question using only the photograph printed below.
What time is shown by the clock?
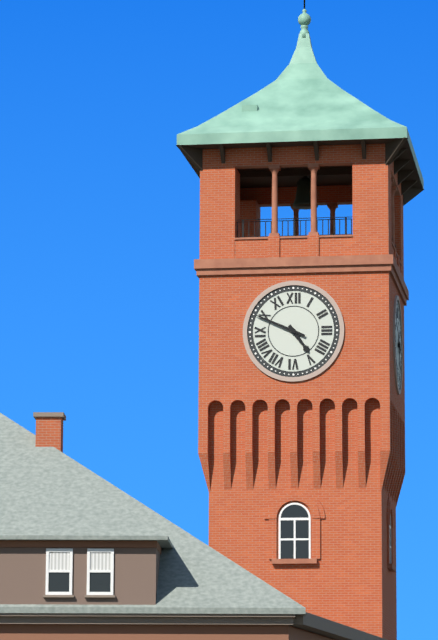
4:49
